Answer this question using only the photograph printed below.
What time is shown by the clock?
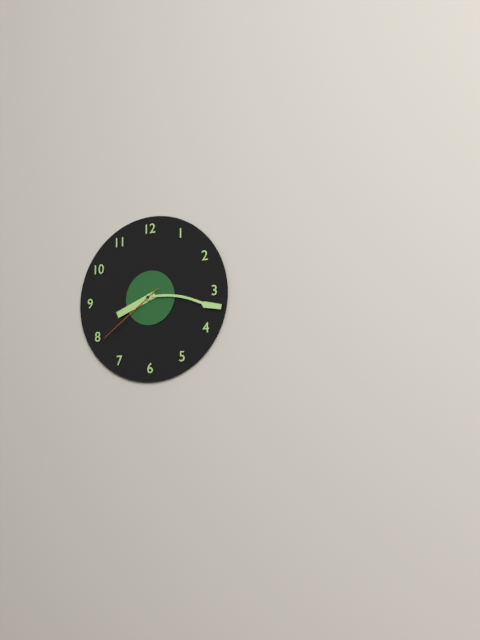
8:17:39
